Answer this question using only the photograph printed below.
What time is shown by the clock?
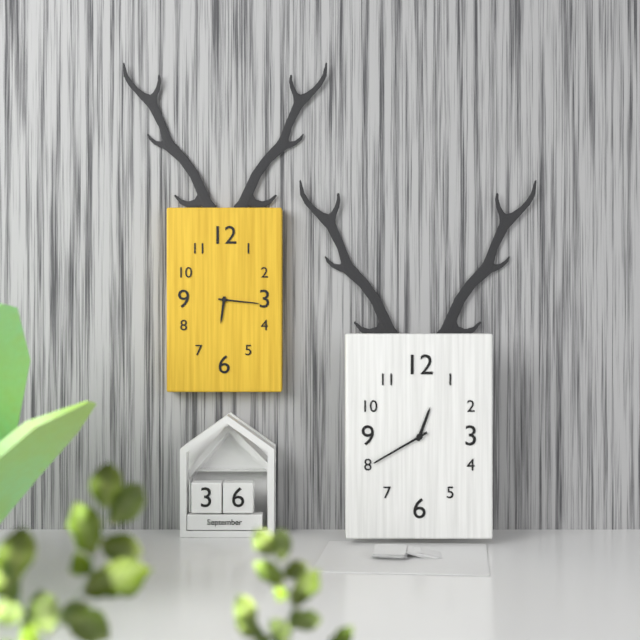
6:16
